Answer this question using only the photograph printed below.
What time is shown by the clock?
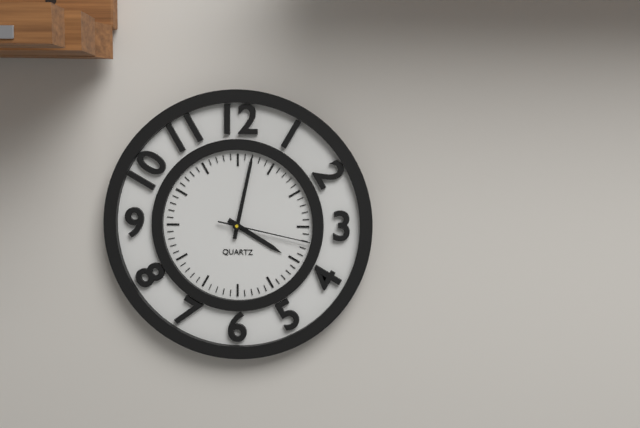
4:02:17
